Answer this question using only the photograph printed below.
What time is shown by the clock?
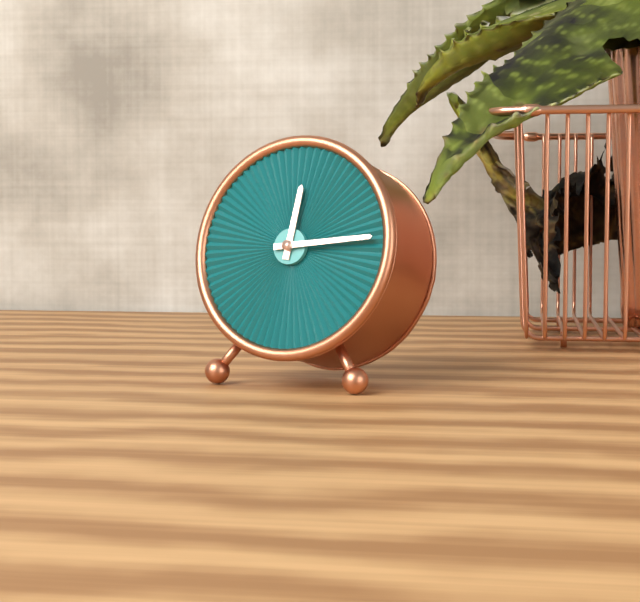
12:14
